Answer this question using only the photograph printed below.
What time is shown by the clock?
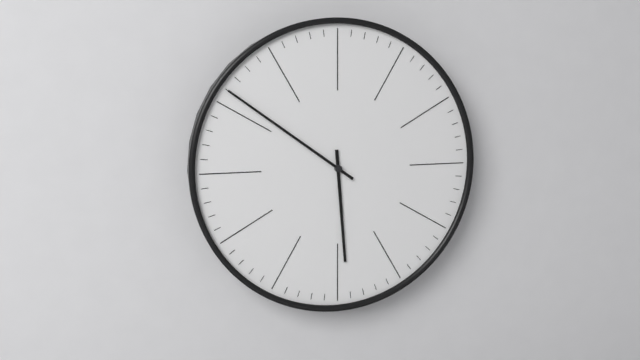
5:51
